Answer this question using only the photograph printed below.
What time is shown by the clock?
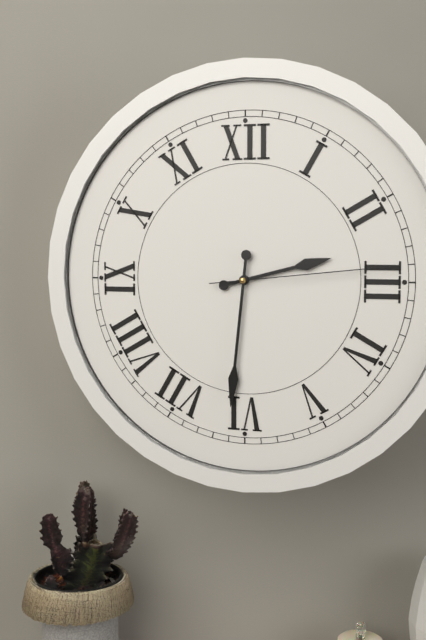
2:31:14
